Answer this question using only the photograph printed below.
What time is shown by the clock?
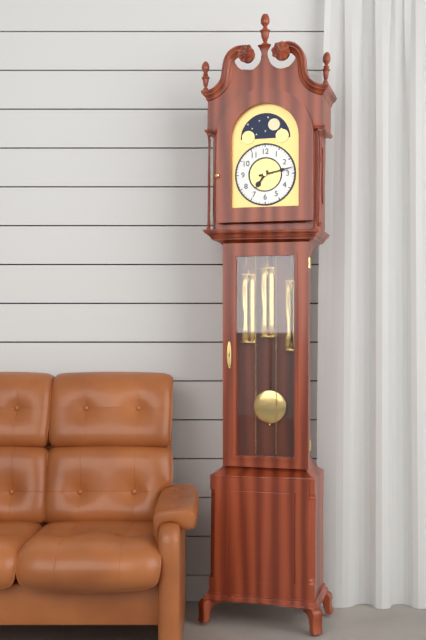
7:13
